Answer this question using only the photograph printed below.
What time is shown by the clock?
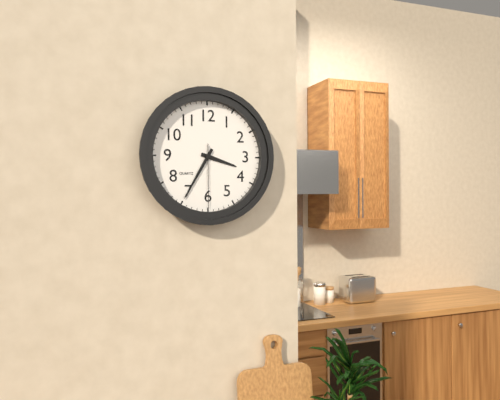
3:35:30
